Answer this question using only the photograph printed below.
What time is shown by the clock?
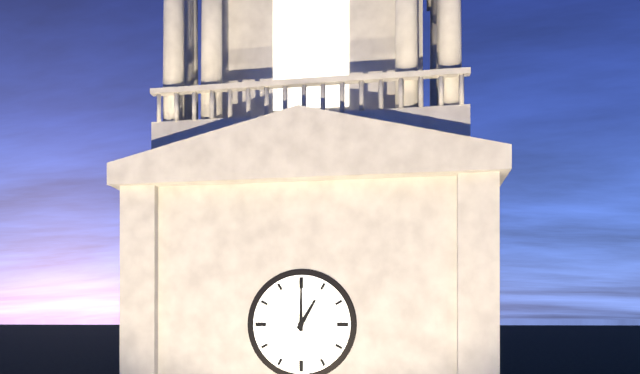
1:00
